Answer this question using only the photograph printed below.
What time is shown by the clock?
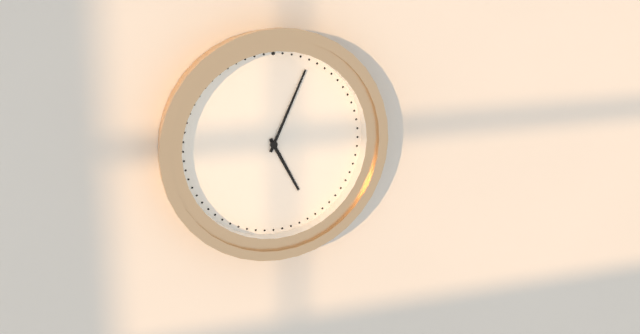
5:04
